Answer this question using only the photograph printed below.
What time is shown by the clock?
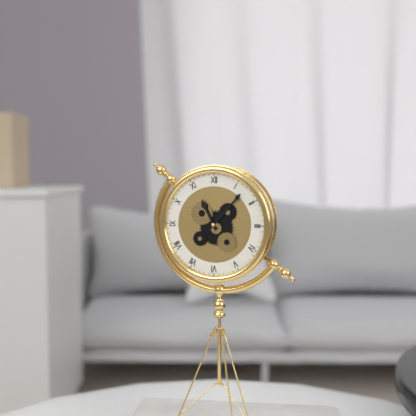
11:07
